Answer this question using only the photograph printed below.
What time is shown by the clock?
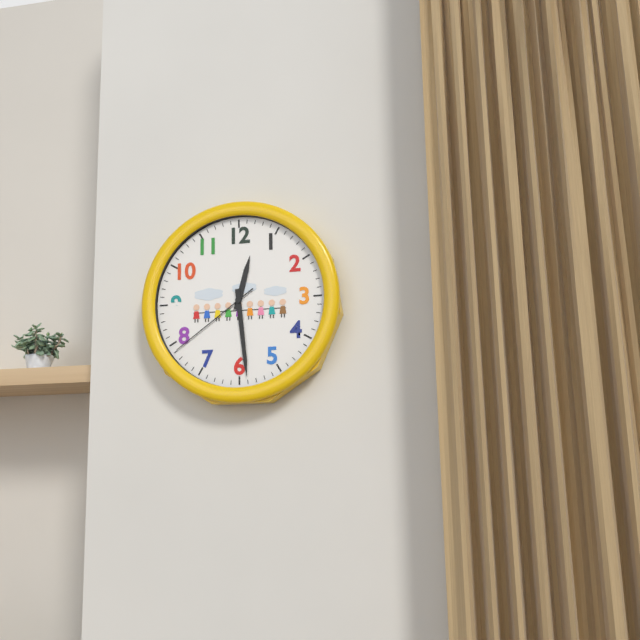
12:29:39
